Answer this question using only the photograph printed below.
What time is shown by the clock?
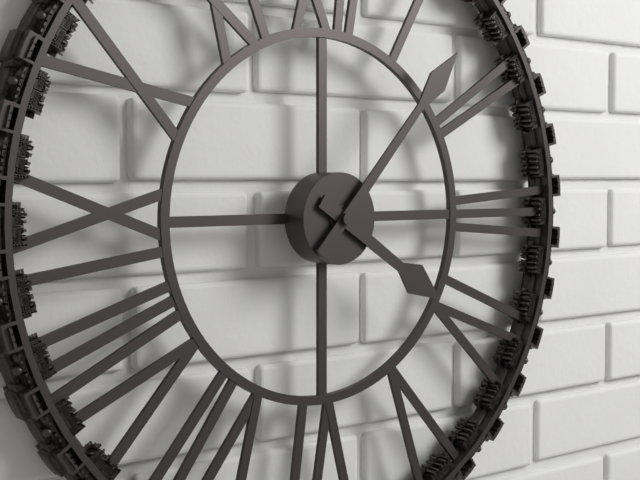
4:07
